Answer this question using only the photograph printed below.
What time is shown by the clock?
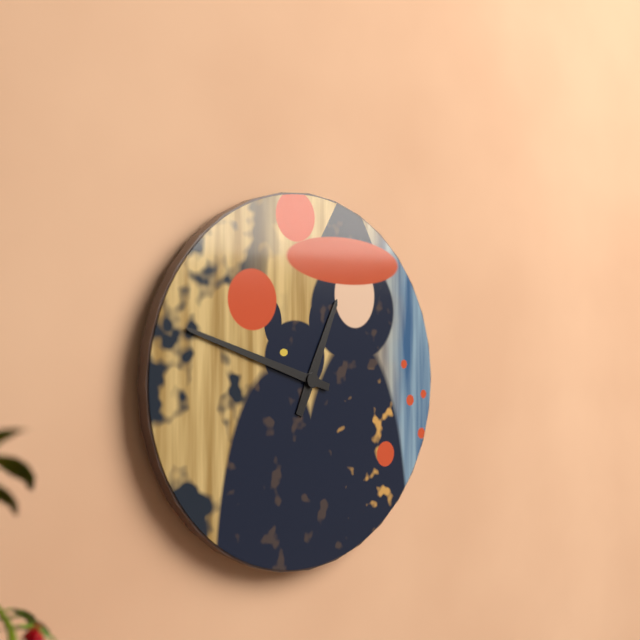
12:48
